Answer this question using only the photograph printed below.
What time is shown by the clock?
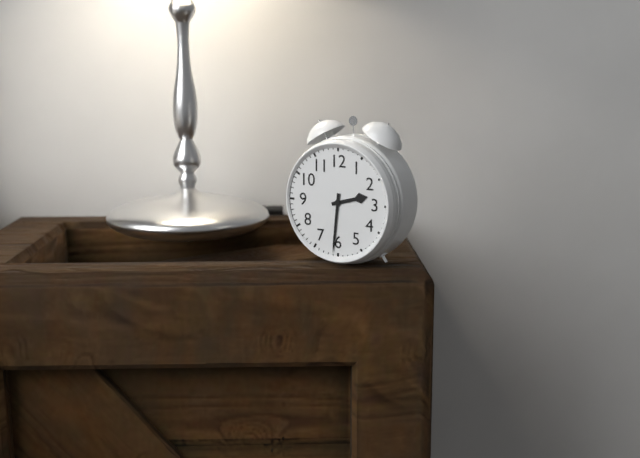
2:31
